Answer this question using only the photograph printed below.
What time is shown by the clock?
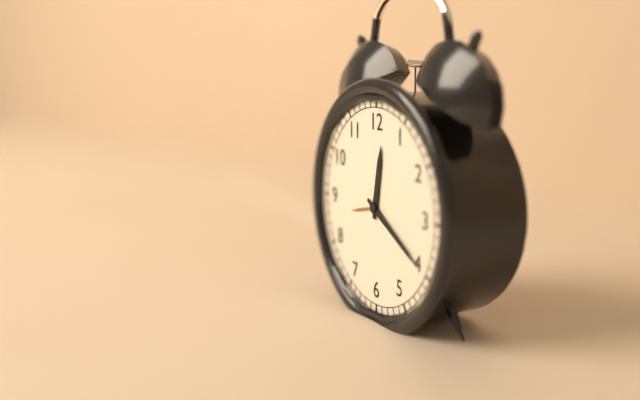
12:20
